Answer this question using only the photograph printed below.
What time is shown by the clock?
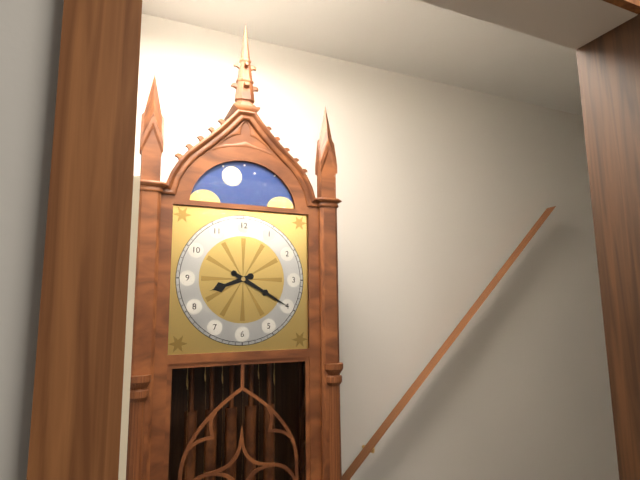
8:20
